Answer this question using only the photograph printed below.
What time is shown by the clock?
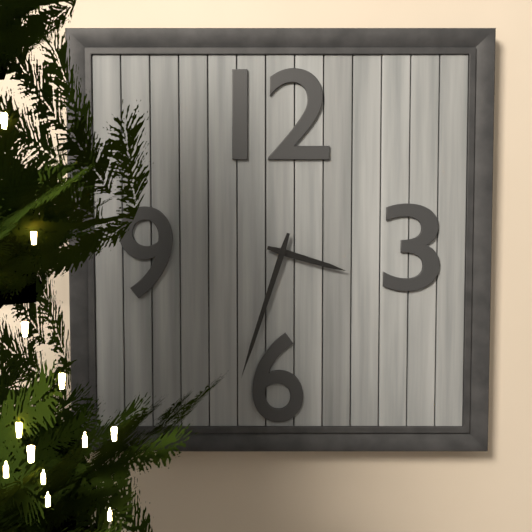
3:33
